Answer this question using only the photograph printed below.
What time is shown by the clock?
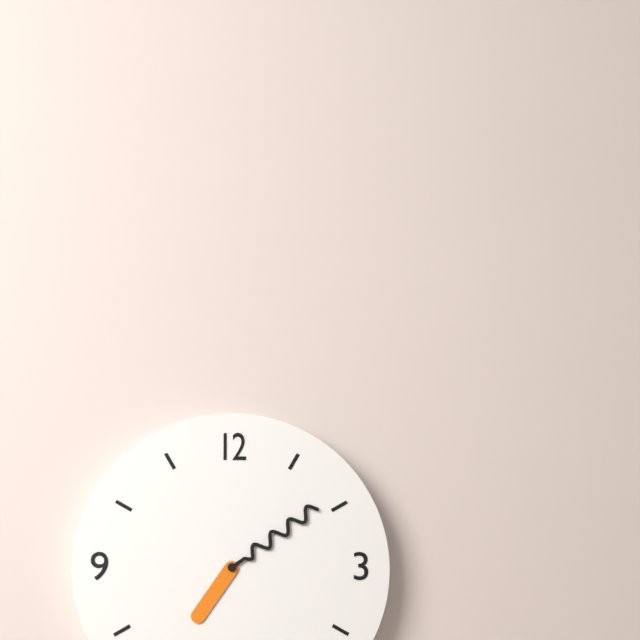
7:09
